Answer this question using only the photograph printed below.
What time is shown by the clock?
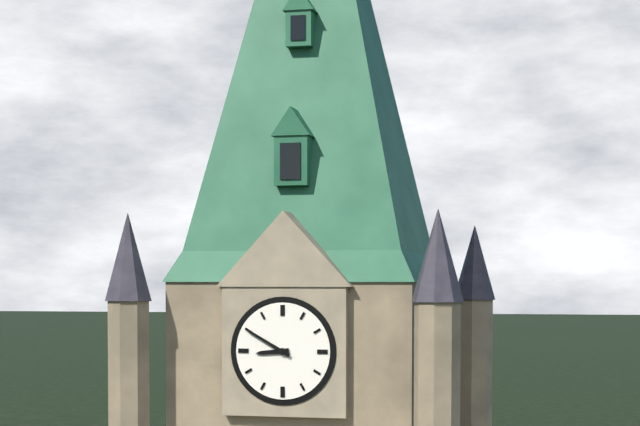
8:50
